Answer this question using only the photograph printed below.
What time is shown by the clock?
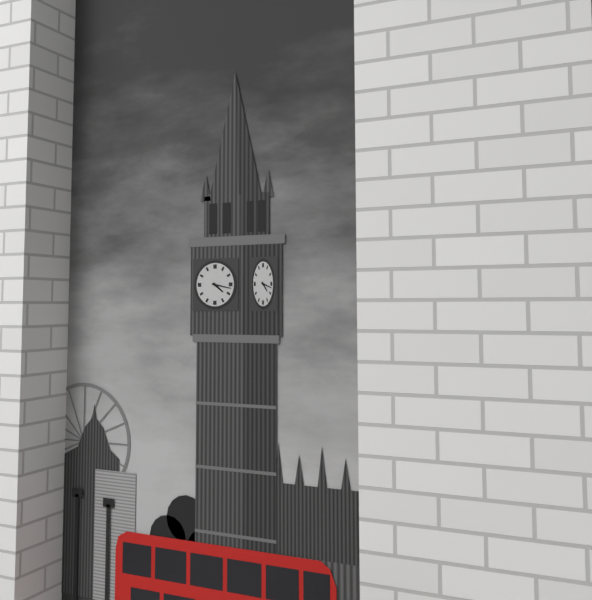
4:17
